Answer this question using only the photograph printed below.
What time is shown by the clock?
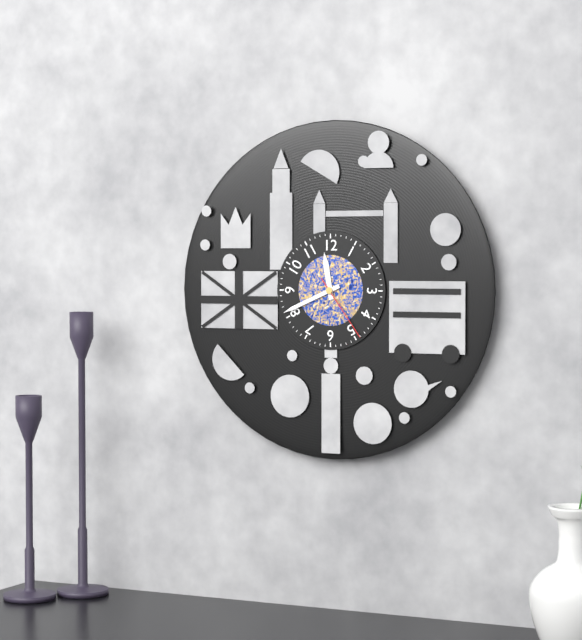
11:41:24
